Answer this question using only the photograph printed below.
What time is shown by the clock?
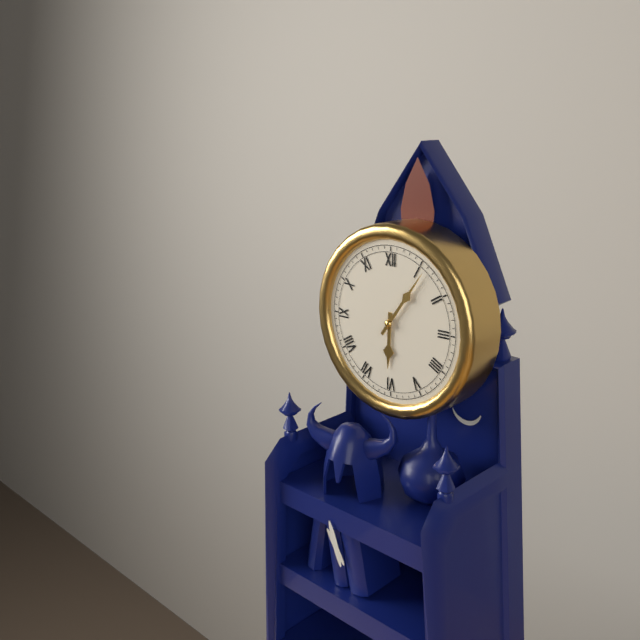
6:06
